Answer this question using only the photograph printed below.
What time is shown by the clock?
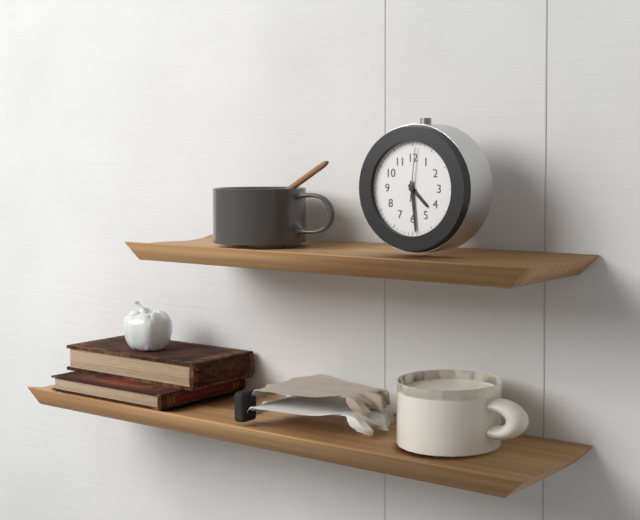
4:29:01
